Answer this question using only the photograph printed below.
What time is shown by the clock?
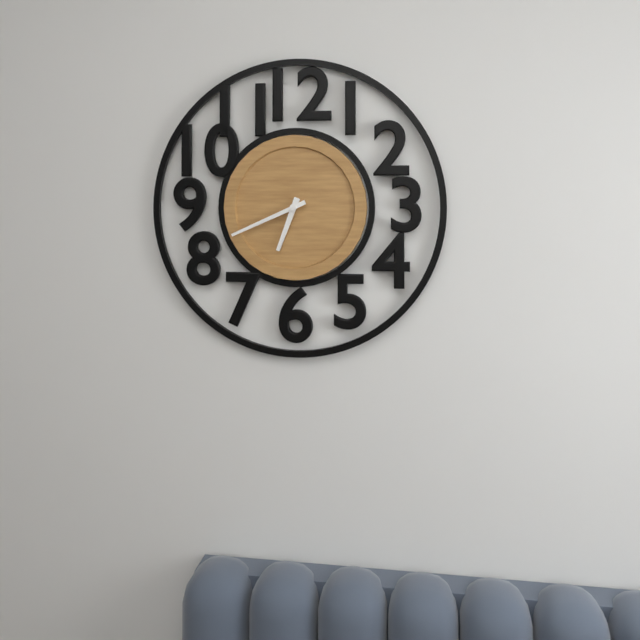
6:41
